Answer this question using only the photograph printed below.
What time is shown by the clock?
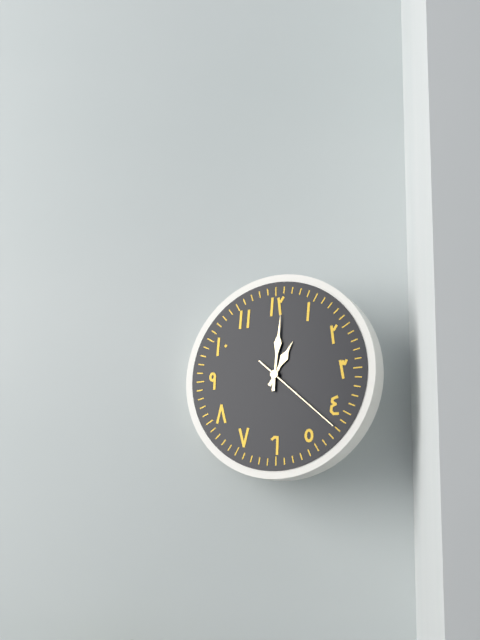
1:01:22
